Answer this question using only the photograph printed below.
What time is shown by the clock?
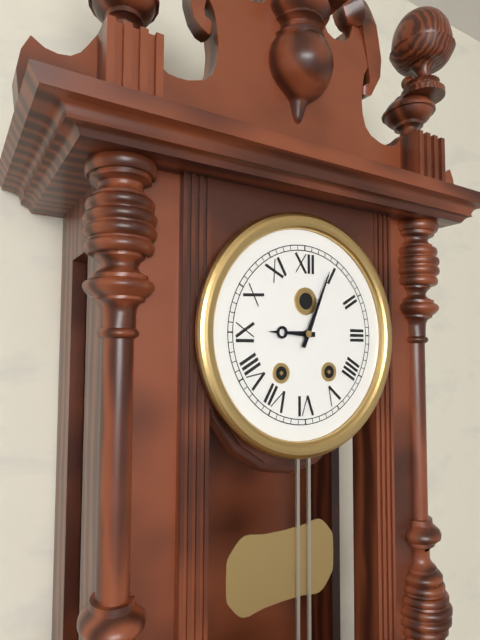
9:04
